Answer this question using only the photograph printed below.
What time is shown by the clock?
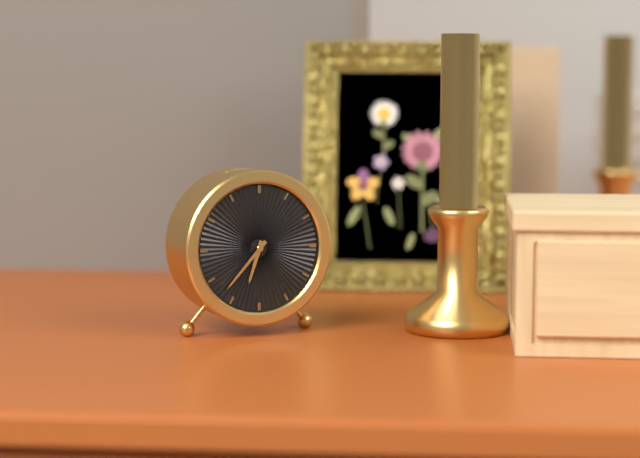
6:37
